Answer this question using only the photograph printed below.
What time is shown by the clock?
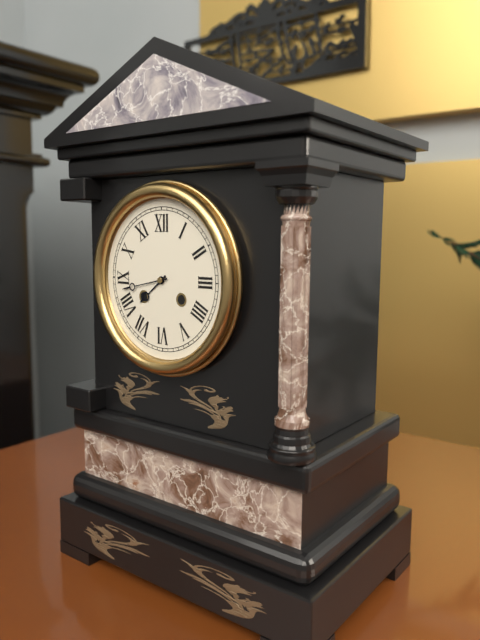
7:43
